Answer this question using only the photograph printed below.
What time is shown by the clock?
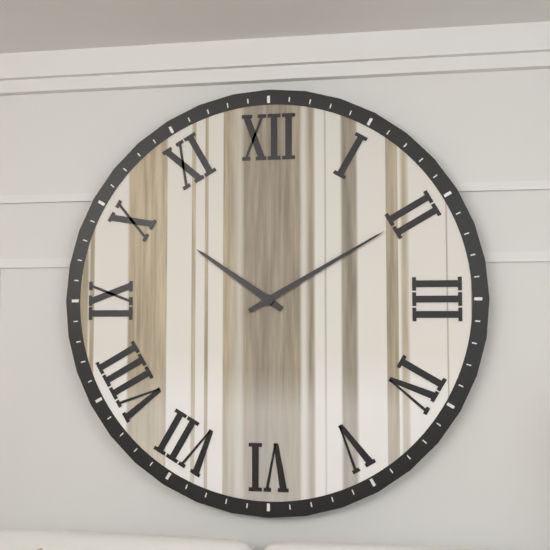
10:10
